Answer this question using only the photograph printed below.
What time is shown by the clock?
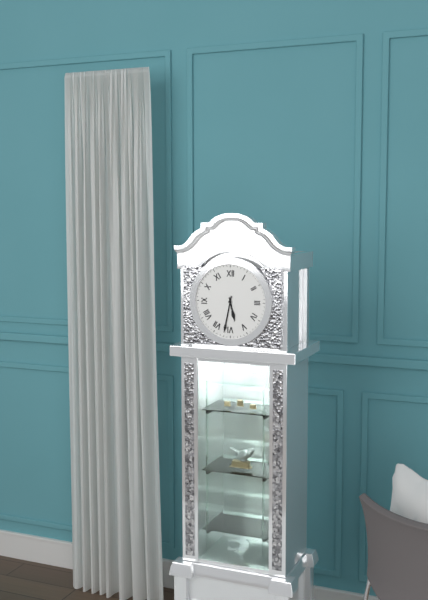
5:32
